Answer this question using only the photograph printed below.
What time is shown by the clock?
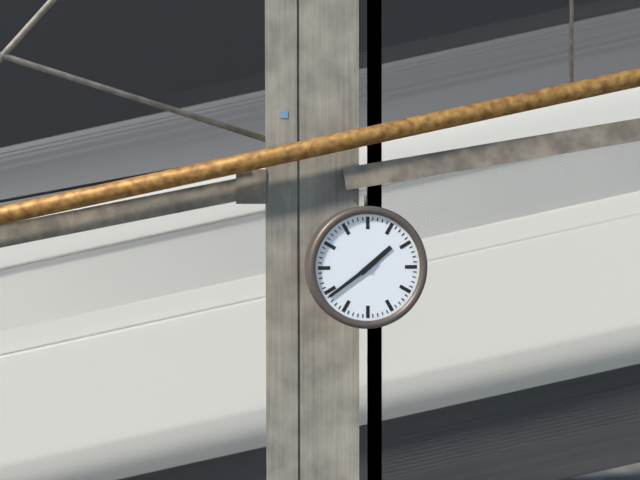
1:39
